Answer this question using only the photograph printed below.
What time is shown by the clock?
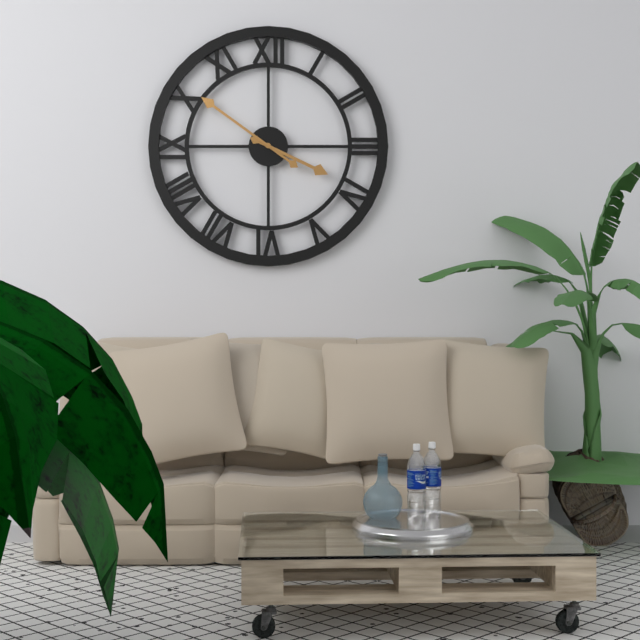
3:51
